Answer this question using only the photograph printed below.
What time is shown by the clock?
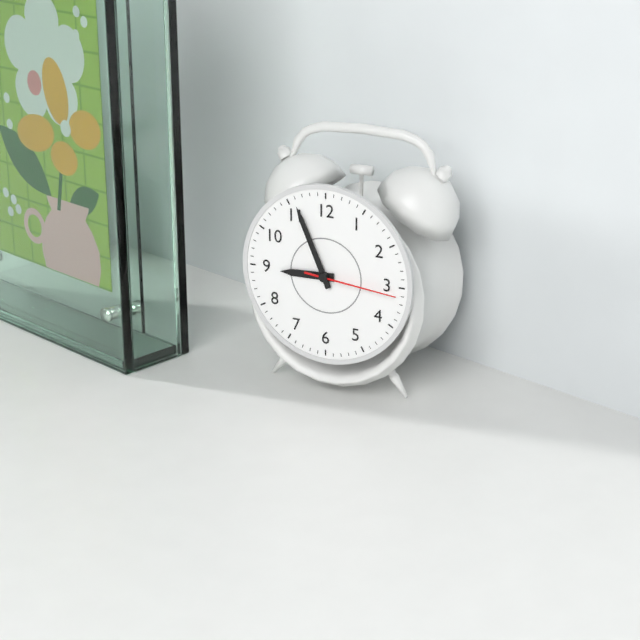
8:56:16
